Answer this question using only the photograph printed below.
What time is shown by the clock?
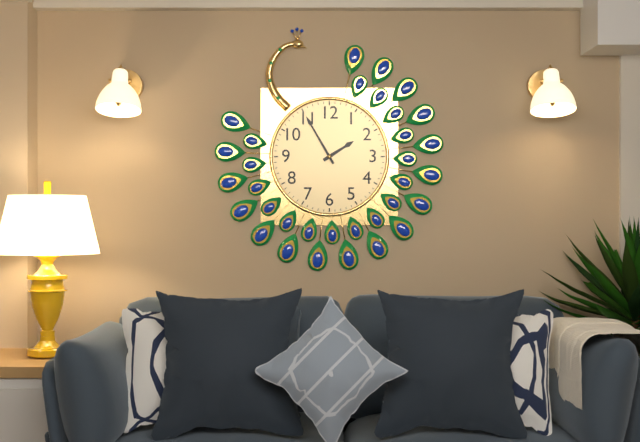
1:55
